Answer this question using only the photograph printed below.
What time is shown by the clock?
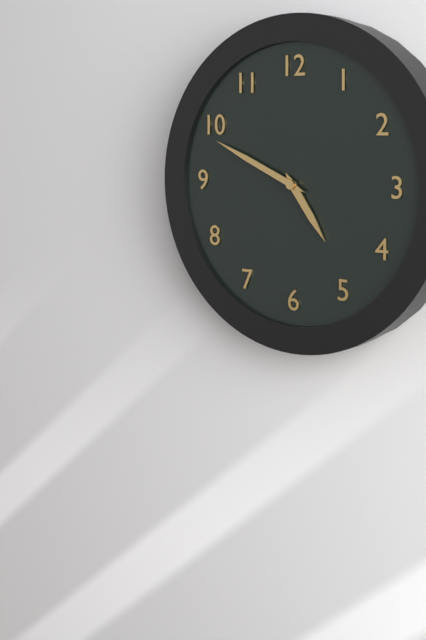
4:49
